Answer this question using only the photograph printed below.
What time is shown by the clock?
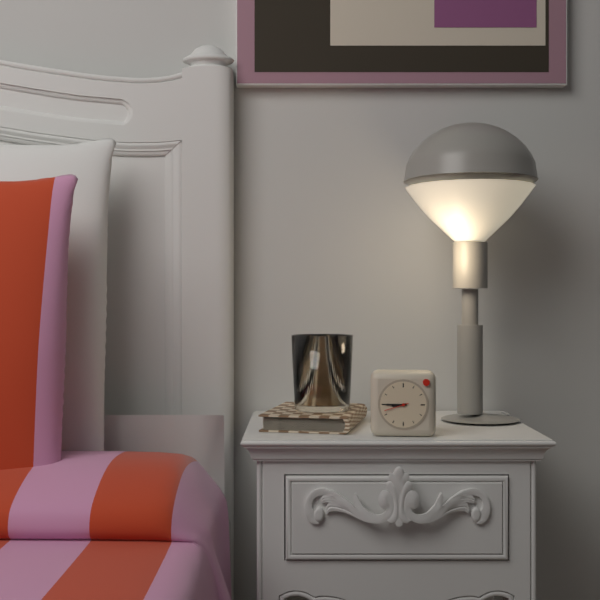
8:45
